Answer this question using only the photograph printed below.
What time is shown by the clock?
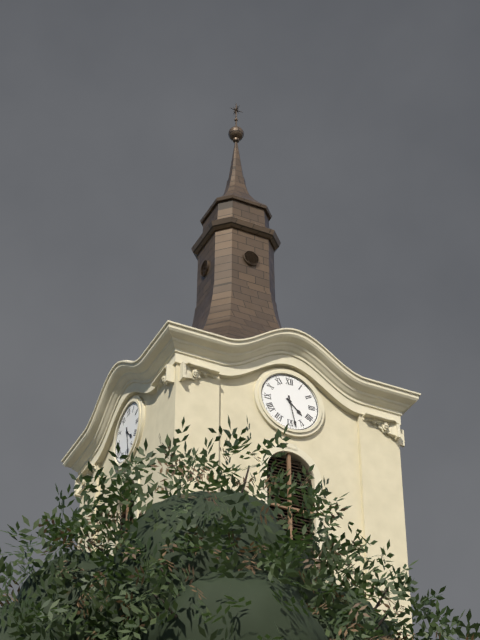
4:28
